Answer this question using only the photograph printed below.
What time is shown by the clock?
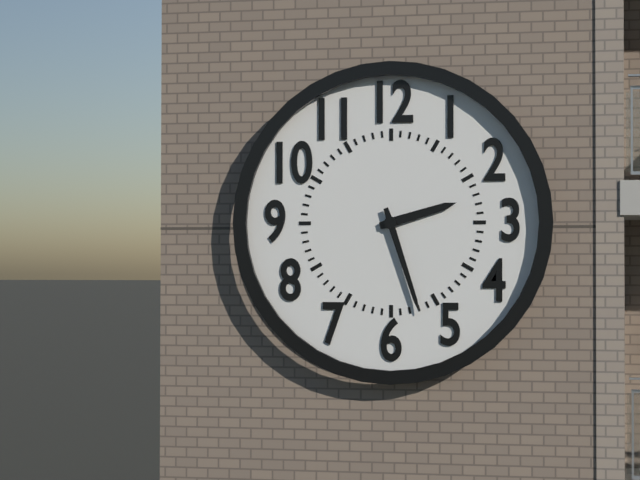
2:27
